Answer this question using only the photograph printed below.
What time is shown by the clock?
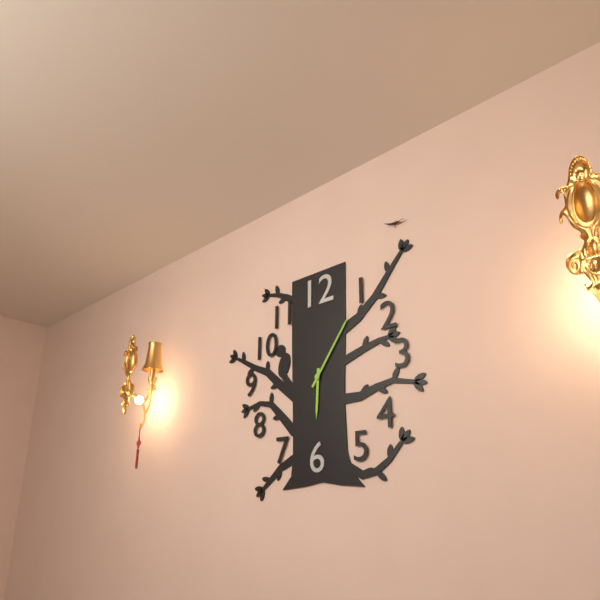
6:06
